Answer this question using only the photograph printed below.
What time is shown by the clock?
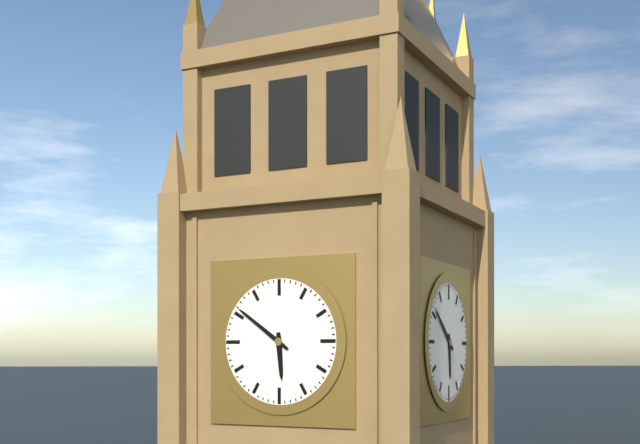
5:51
